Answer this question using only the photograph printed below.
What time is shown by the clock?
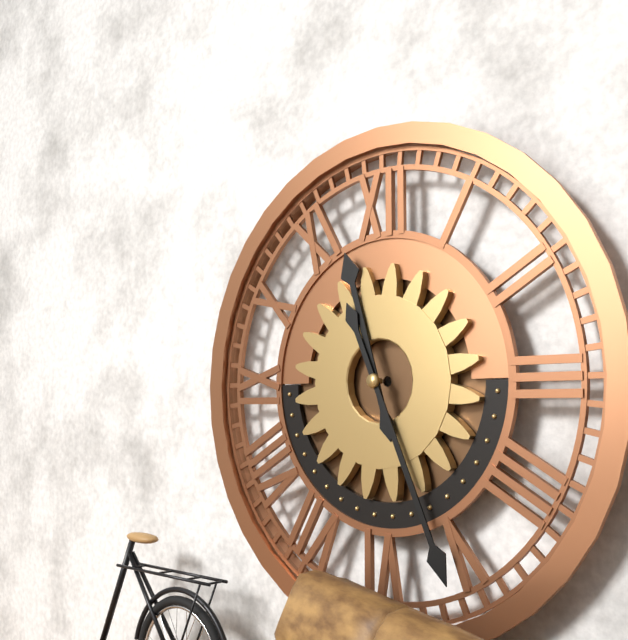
11:26
